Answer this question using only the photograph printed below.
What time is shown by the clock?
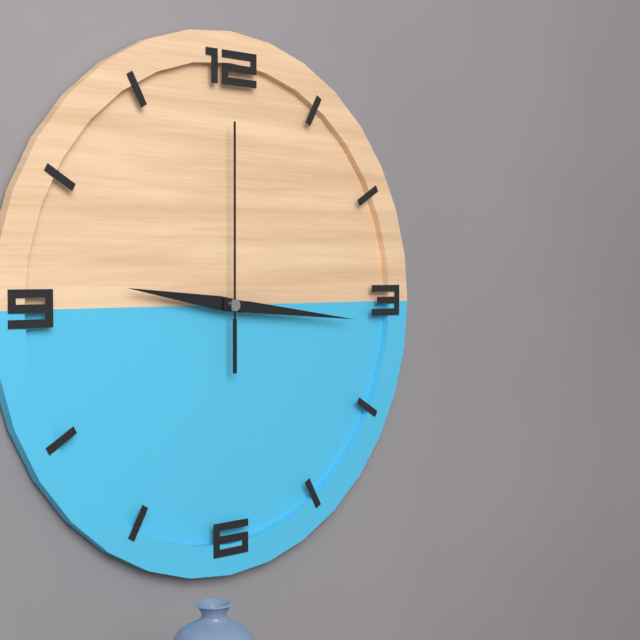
9:16:00
